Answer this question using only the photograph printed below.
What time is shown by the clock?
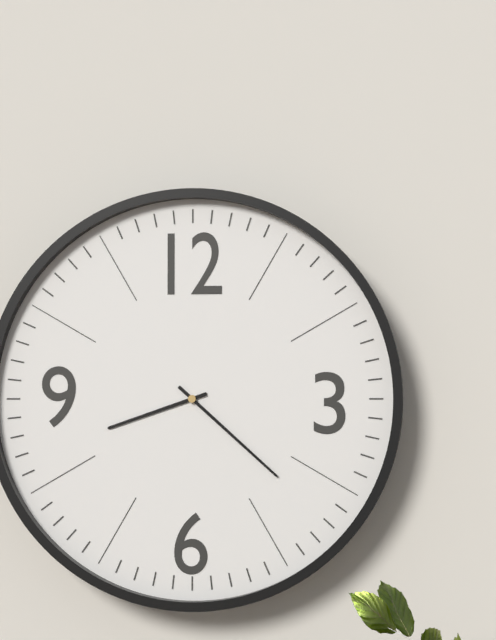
8:22
